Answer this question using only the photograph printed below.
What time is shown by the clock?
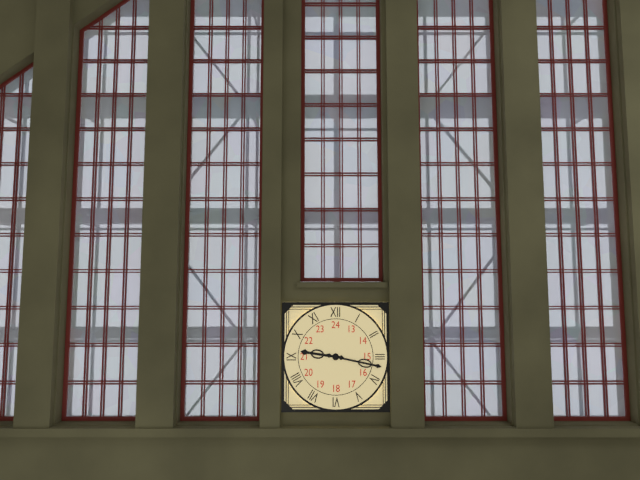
9:17
